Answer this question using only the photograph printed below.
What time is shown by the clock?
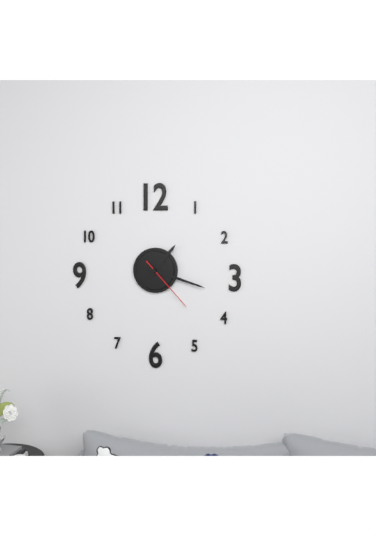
1:18:23
